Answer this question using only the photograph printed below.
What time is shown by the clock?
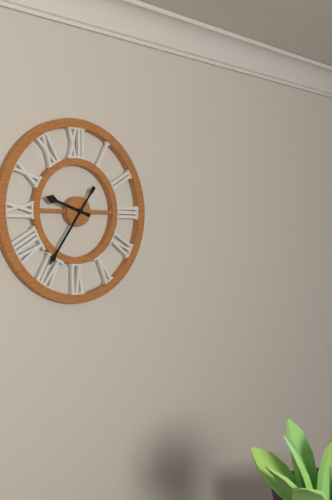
9:36
